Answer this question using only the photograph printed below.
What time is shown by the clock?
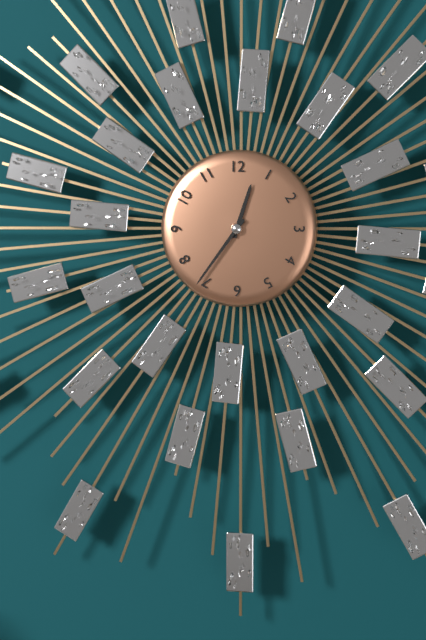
12:36
